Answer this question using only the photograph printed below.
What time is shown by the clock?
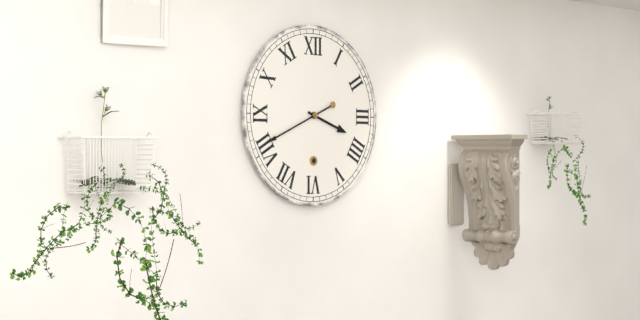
3:41
